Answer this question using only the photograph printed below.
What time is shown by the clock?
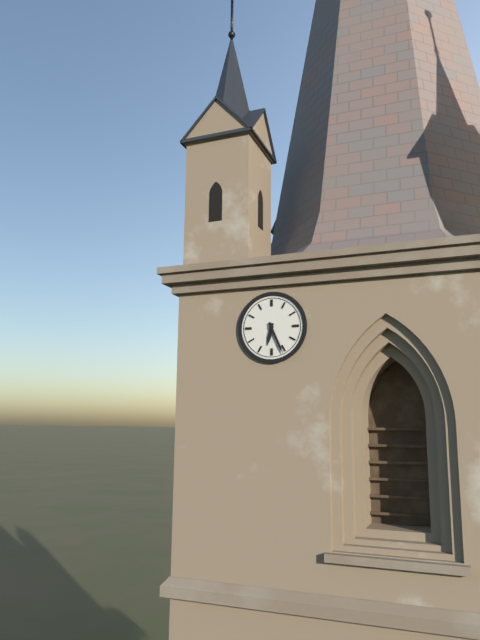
6:26
